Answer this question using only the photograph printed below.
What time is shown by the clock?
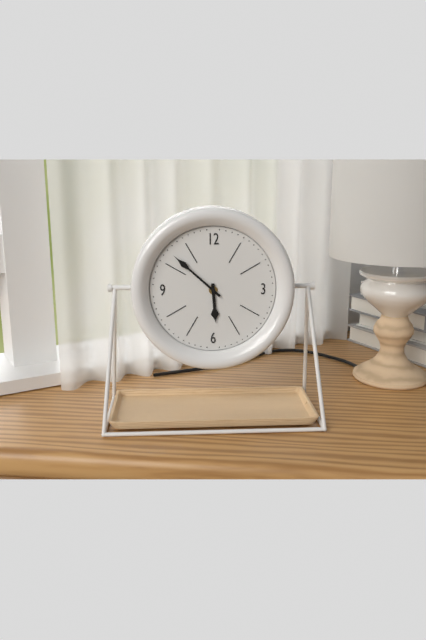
5:52
